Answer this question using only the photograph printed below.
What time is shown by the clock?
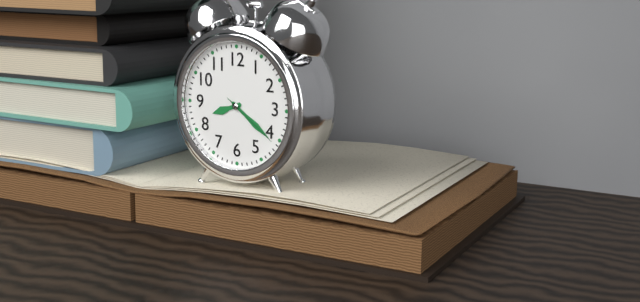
8:21:21
